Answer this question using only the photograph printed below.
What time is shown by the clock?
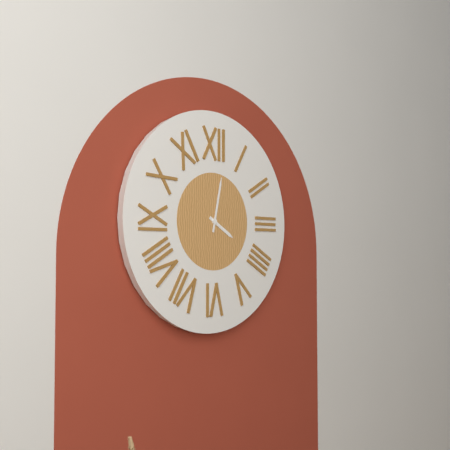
4:02
